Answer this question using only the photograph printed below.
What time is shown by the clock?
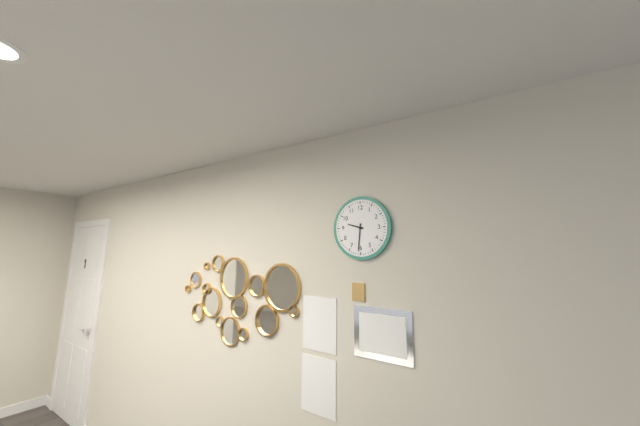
9:31
